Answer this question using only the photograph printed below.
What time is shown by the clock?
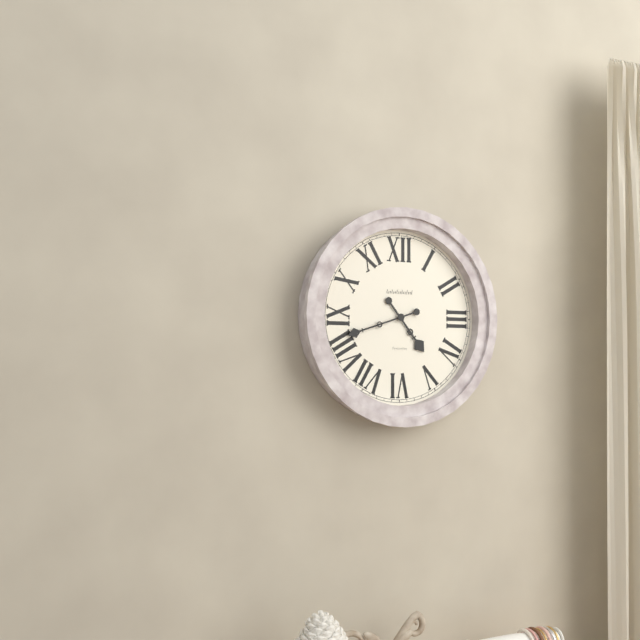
4:42
